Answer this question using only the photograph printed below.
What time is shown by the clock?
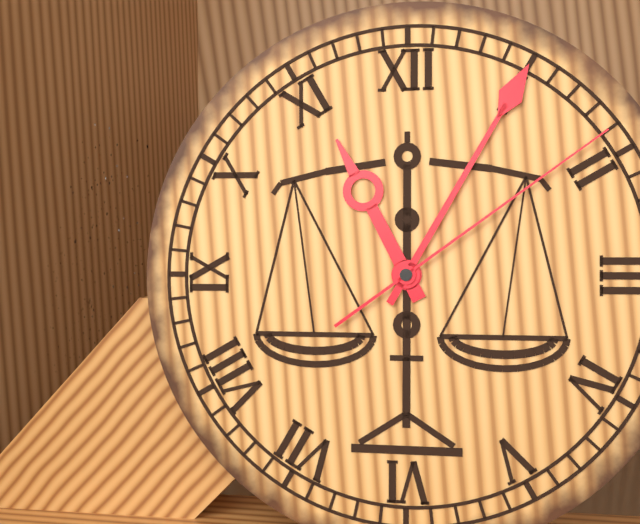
11:05:09
